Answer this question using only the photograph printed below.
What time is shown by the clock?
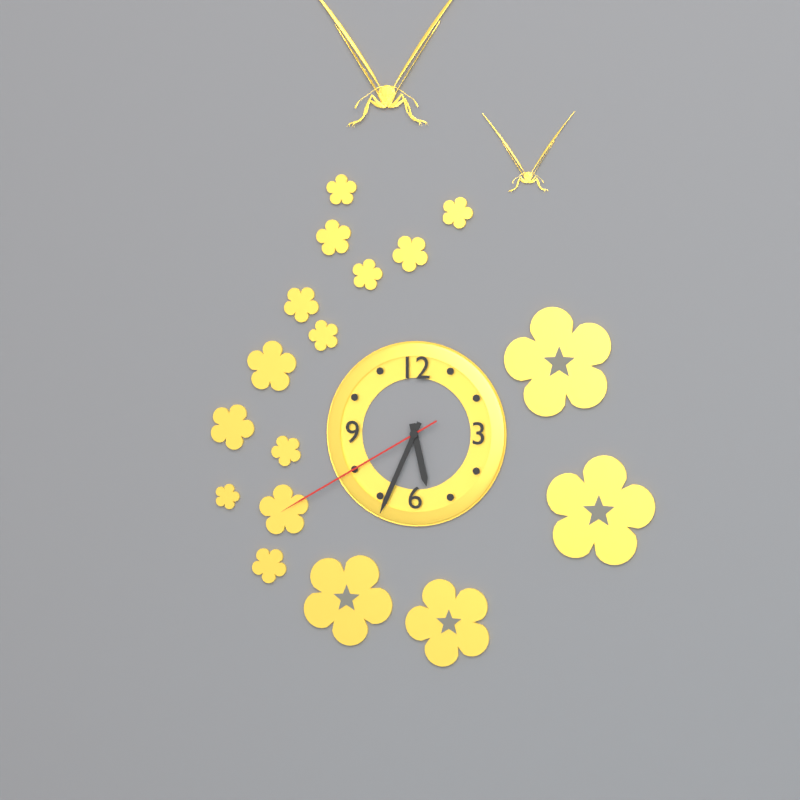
5:34:40
